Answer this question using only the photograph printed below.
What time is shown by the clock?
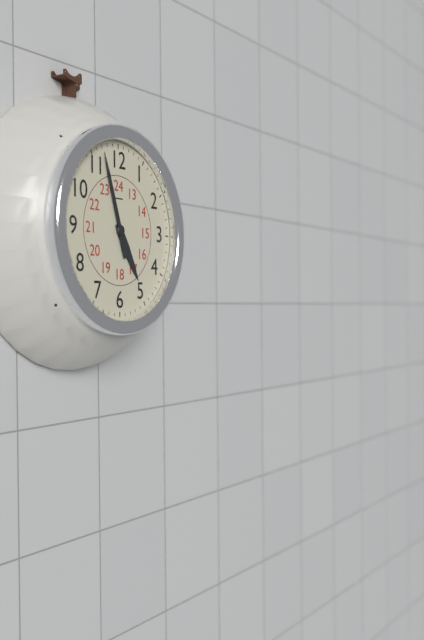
4:57
